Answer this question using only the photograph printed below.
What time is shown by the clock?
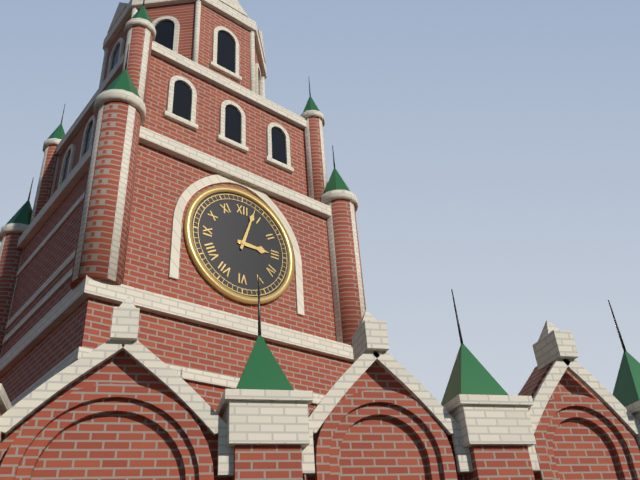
3:03
